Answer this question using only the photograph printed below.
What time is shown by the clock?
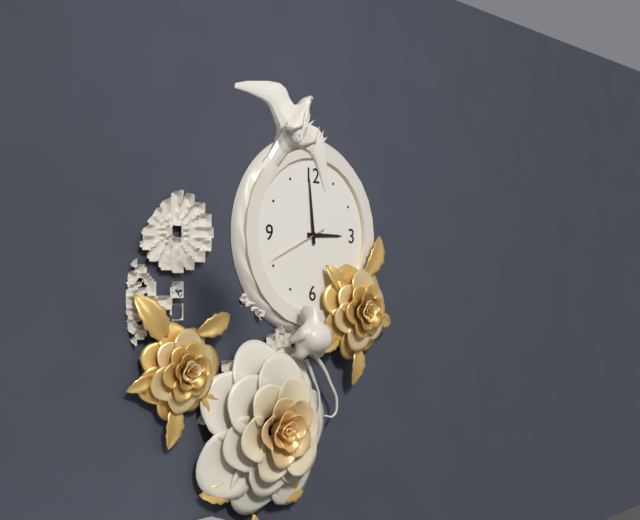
2:59:41
